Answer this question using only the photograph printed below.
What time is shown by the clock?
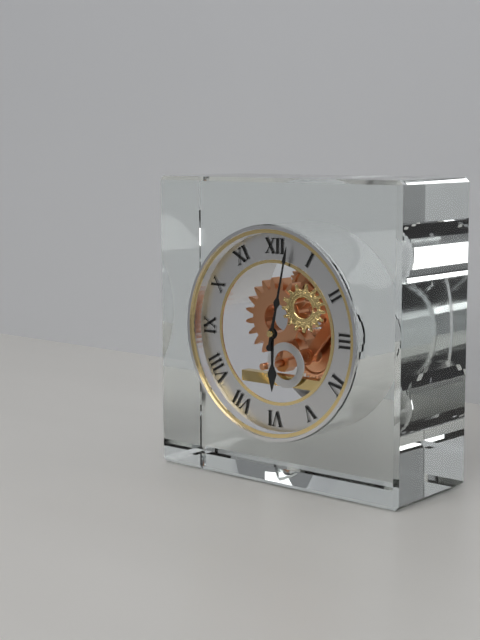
6:02
